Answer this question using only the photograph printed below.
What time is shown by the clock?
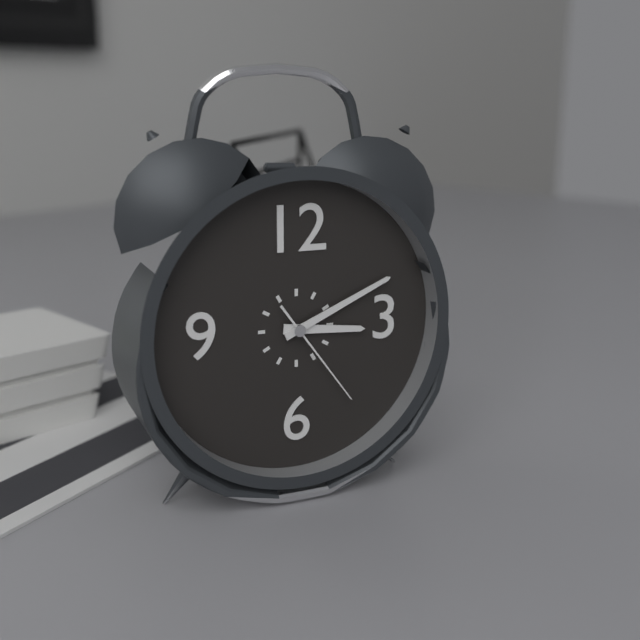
3:11:24
